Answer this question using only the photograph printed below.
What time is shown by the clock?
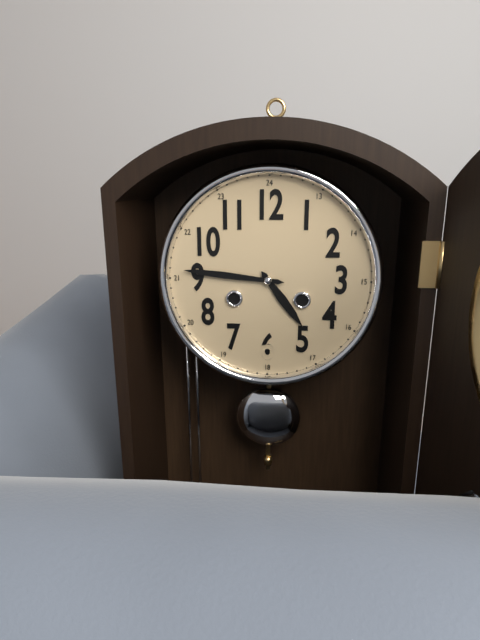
4:46
